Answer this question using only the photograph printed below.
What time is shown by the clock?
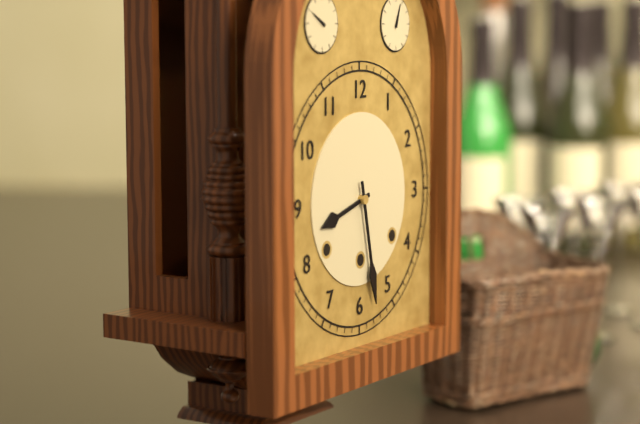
8:28
